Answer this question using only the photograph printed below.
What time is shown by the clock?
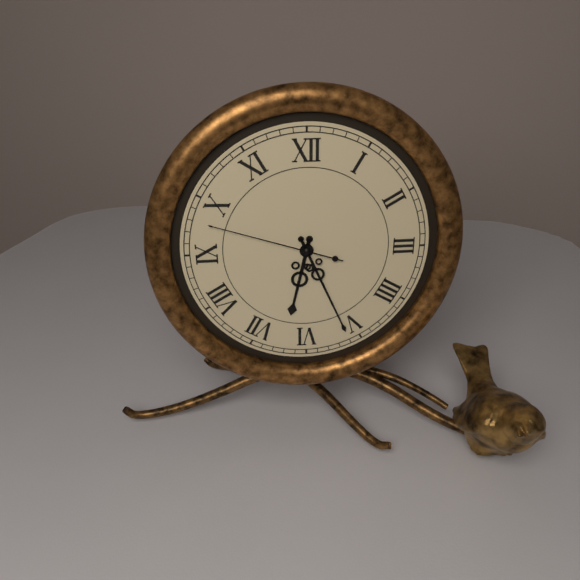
6:26:48
